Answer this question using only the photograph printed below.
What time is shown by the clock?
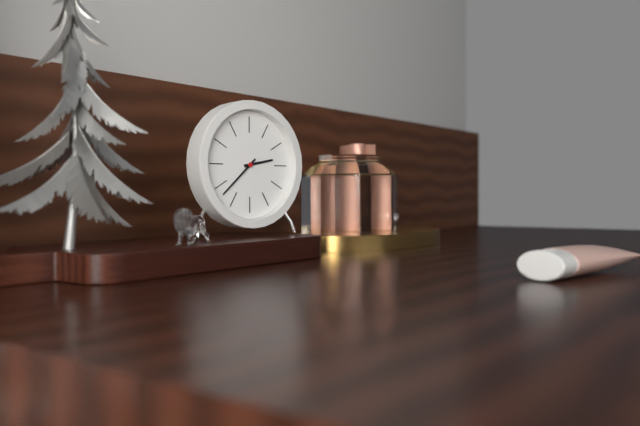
2:38
